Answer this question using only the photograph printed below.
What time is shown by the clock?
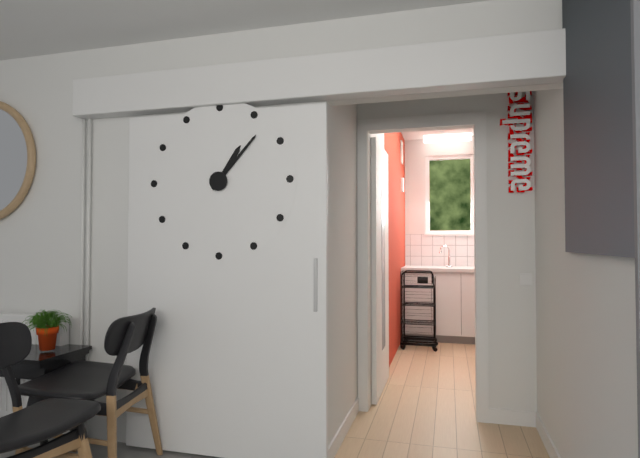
1:07
